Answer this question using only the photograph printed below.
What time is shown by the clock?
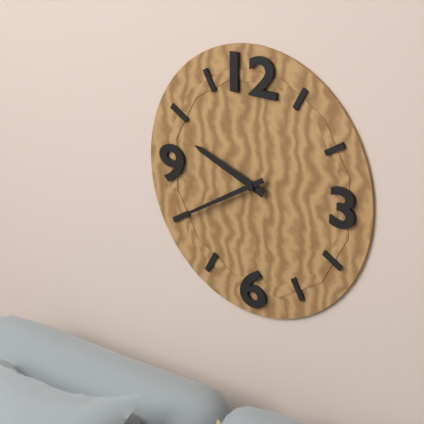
9:40
